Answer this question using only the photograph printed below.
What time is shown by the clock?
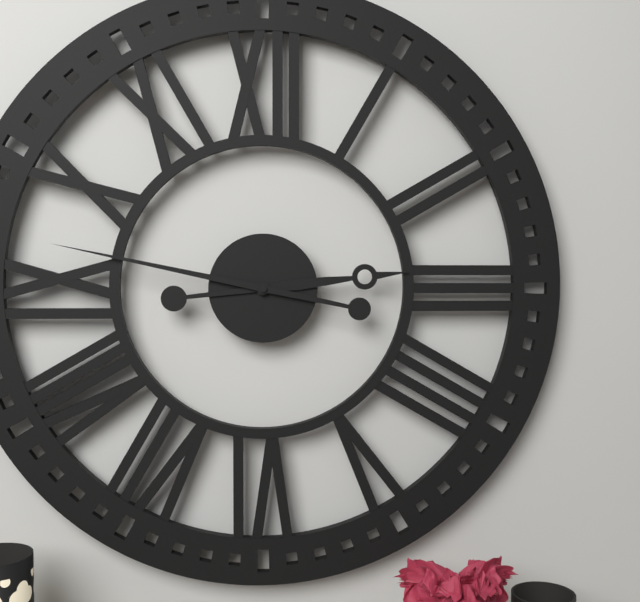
2:47
